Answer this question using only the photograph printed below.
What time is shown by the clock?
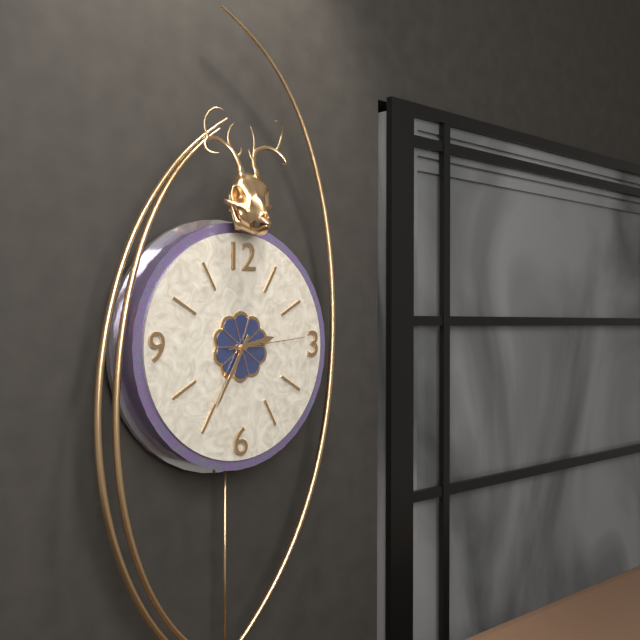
2:35:14
